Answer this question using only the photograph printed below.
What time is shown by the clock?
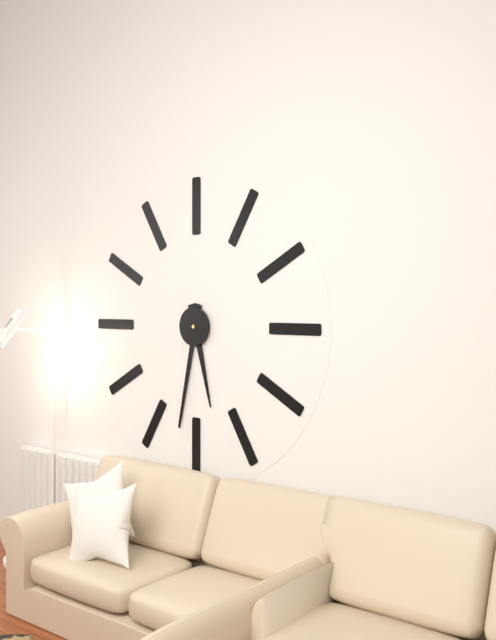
5:32
